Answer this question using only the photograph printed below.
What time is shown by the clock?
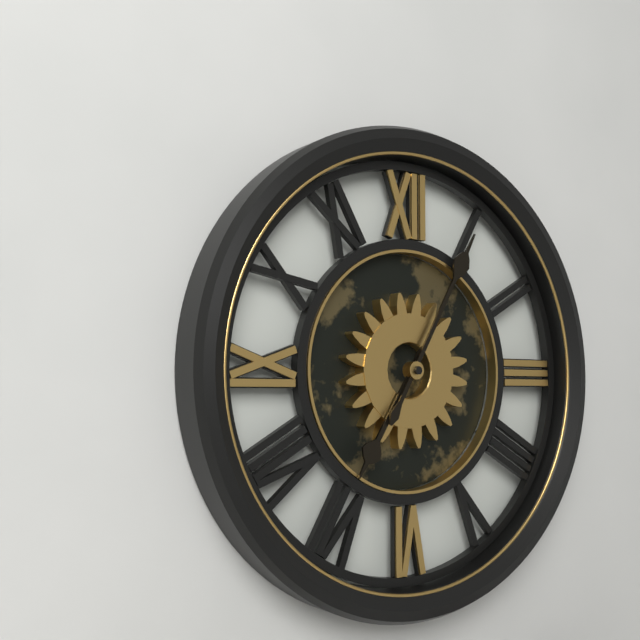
7:05
